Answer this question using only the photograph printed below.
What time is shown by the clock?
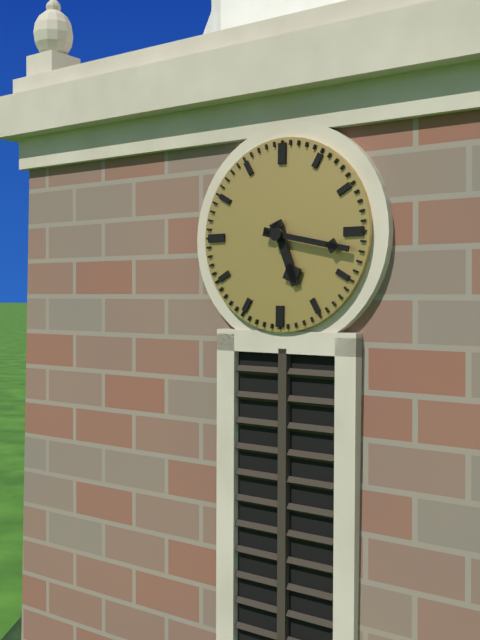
5:17
